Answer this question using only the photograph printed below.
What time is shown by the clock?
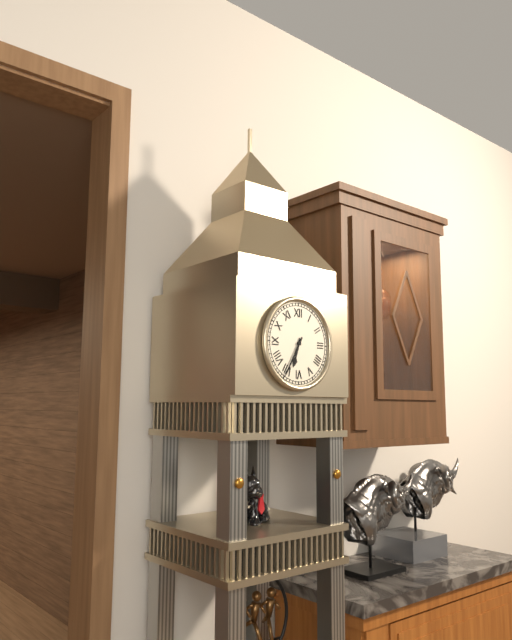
6:35
